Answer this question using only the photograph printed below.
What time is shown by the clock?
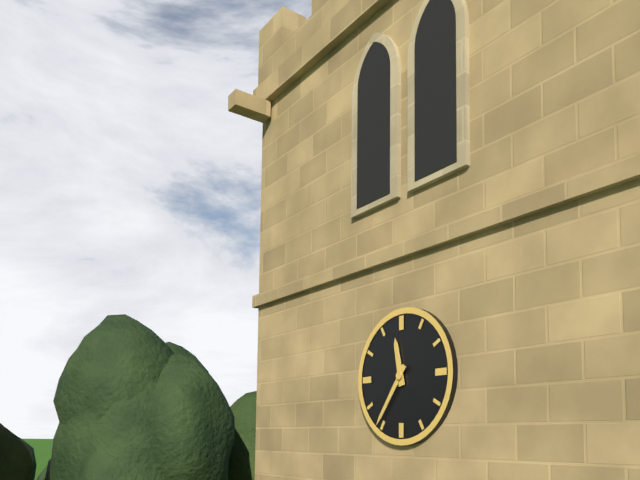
11:36
